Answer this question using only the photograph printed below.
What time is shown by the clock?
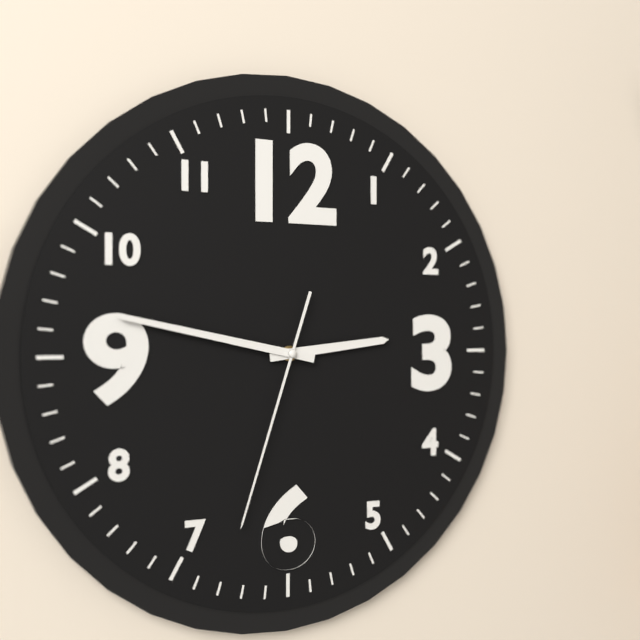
2:47:33
